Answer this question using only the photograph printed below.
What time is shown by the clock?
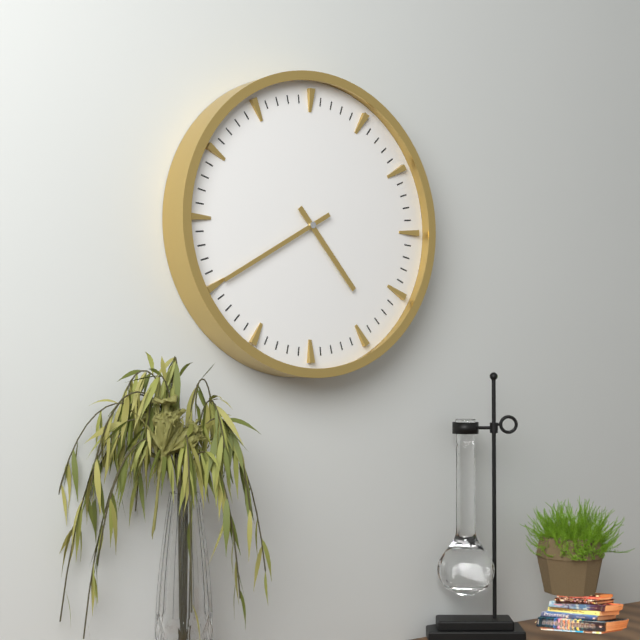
4:40
